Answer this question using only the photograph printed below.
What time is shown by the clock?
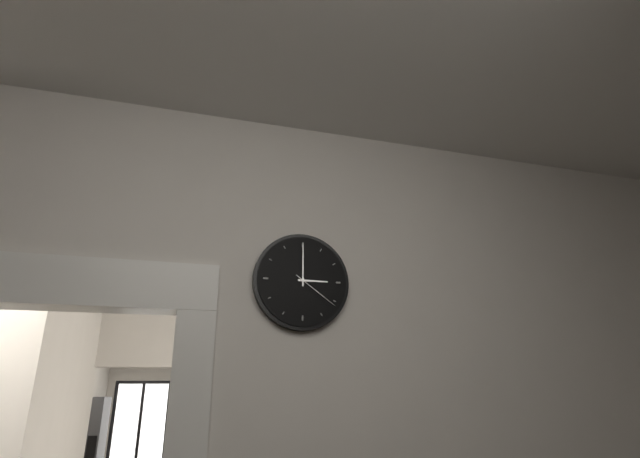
3:00:21
